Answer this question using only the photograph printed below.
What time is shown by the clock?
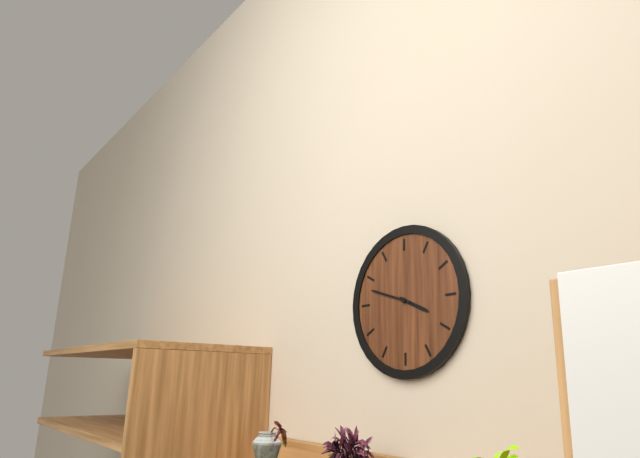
3:48
